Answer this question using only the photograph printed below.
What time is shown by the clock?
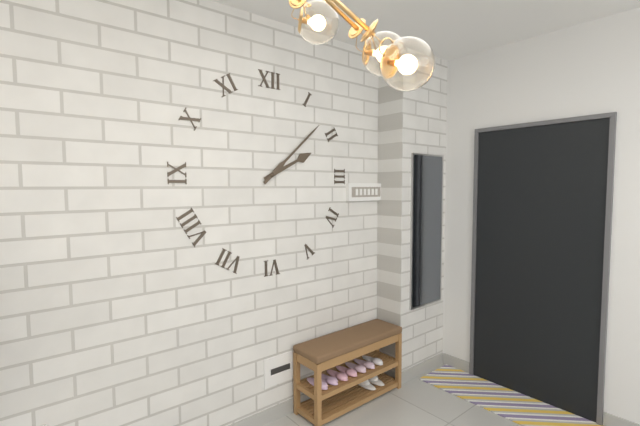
2:08
